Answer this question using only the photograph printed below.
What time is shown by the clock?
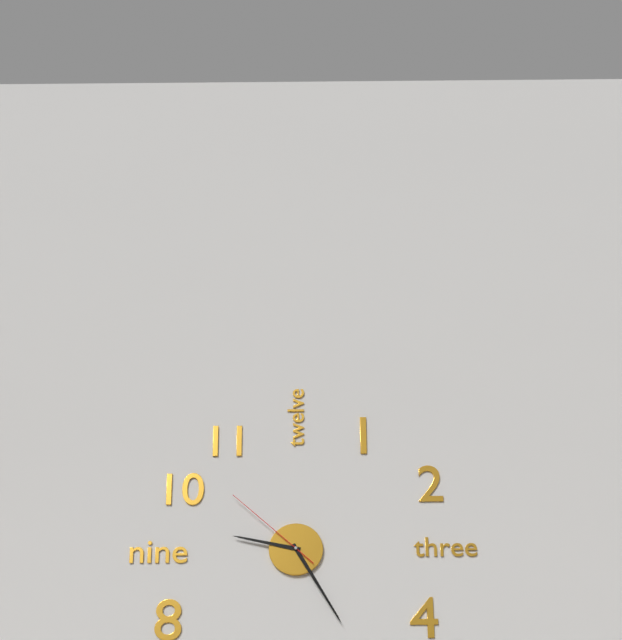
9:25:52
